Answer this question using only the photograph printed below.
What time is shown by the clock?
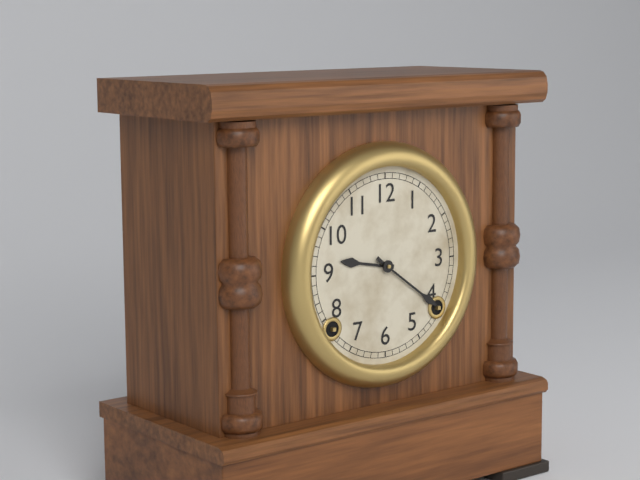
9:21
